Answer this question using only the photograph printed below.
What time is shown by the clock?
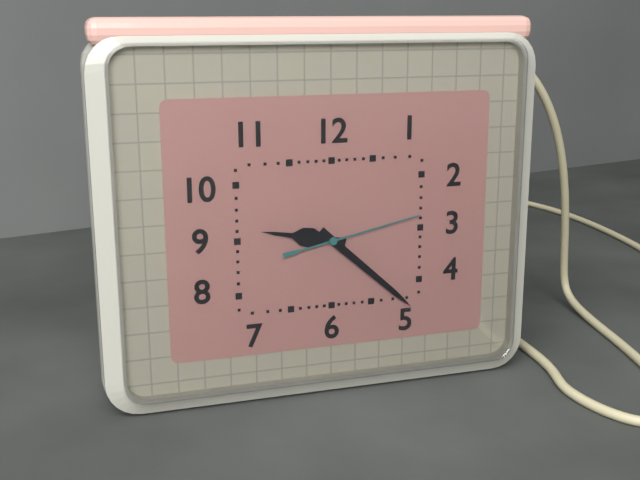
9:22:13
